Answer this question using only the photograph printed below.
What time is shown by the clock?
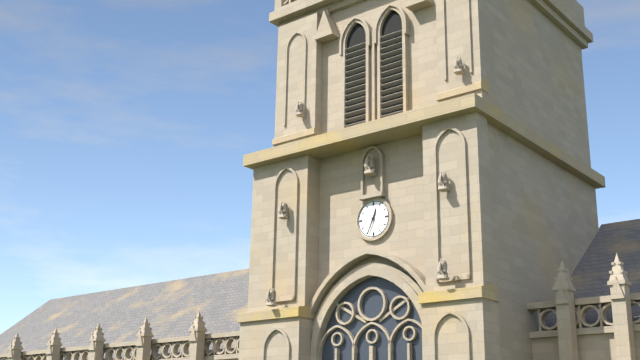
12:34
